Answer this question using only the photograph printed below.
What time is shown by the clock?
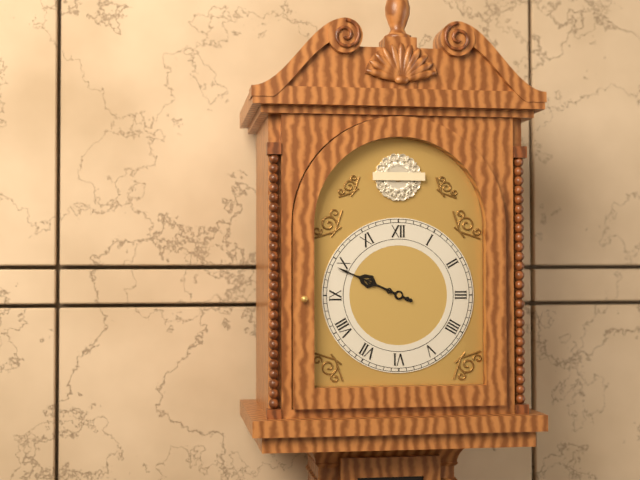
9:49
